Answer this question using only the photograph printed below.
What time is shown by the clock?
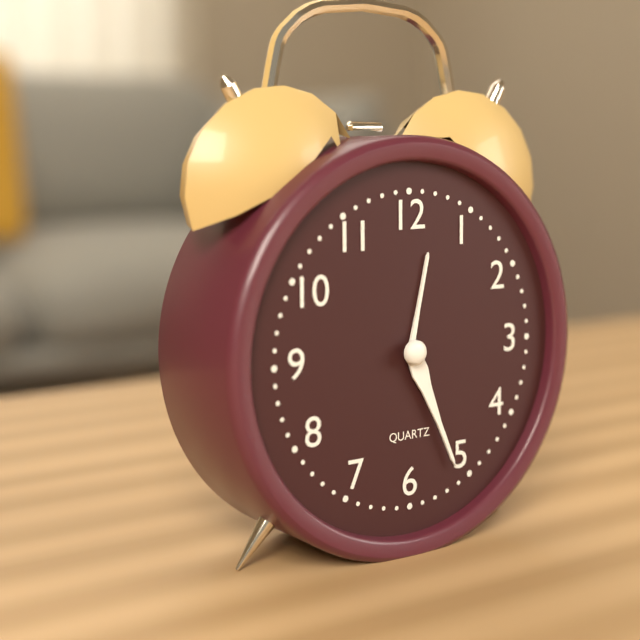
12:26
